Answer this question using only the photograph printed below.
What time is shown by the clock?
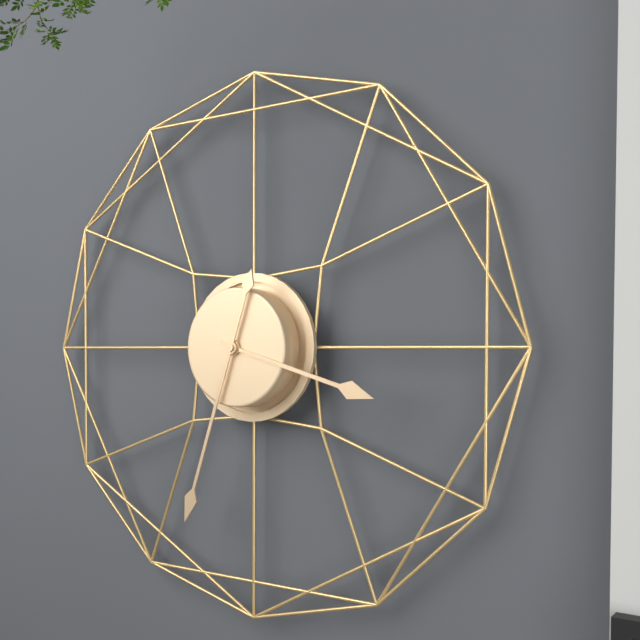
3:33
